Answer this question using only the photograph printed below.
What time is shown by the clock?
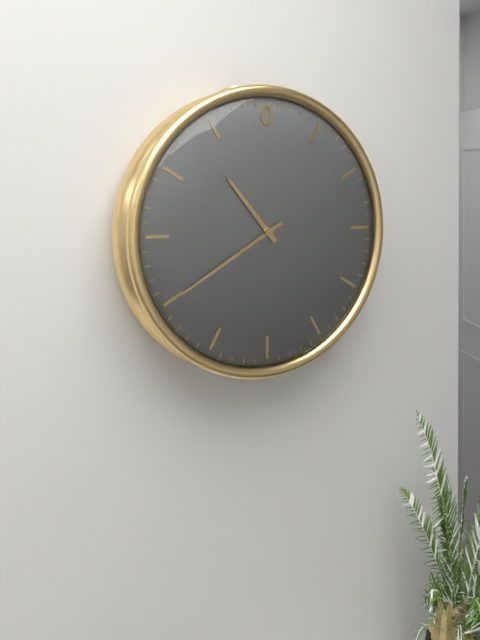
10:40
